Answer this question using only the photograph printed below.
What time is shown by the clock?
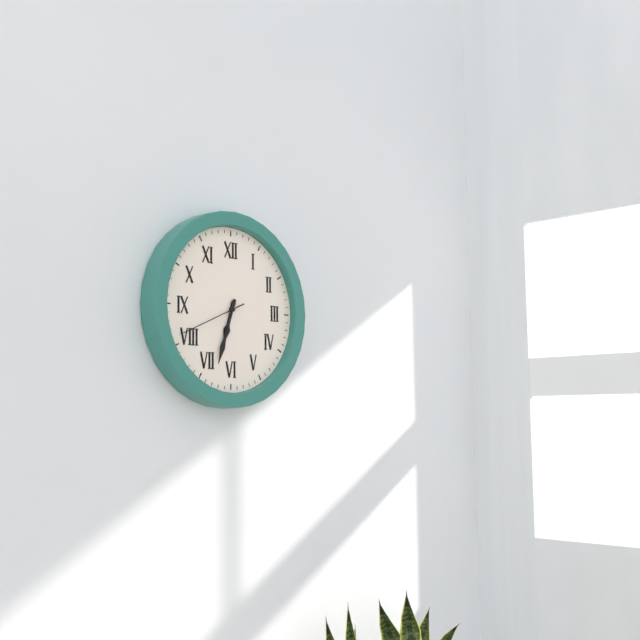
6:33:41
